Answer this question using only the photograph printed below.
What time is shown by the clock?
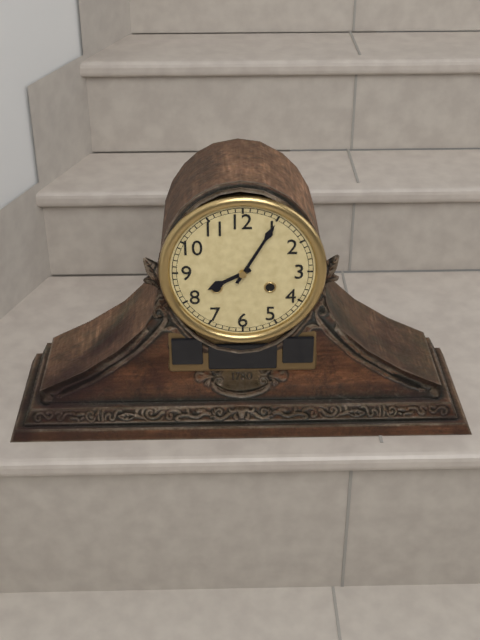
8:05
